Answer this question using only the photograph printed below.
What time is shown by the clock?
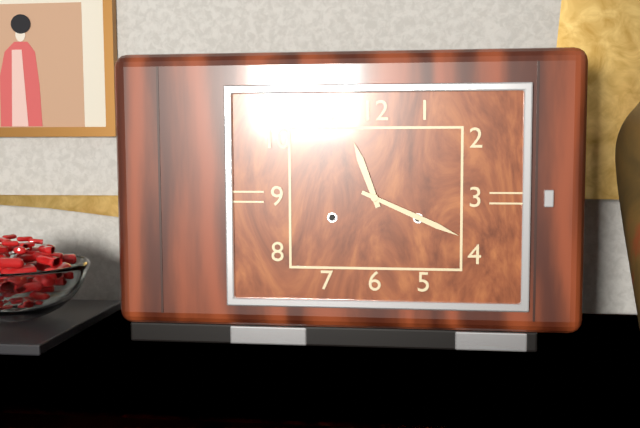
11:19
